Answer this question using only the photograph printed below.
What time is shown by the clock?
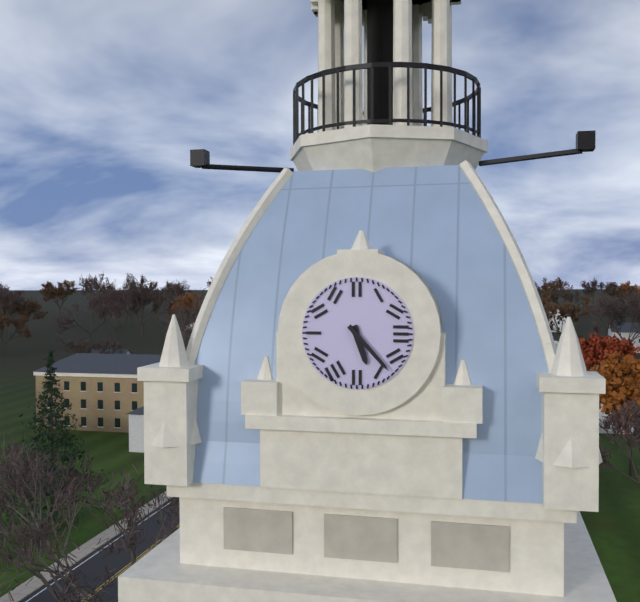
5:23
